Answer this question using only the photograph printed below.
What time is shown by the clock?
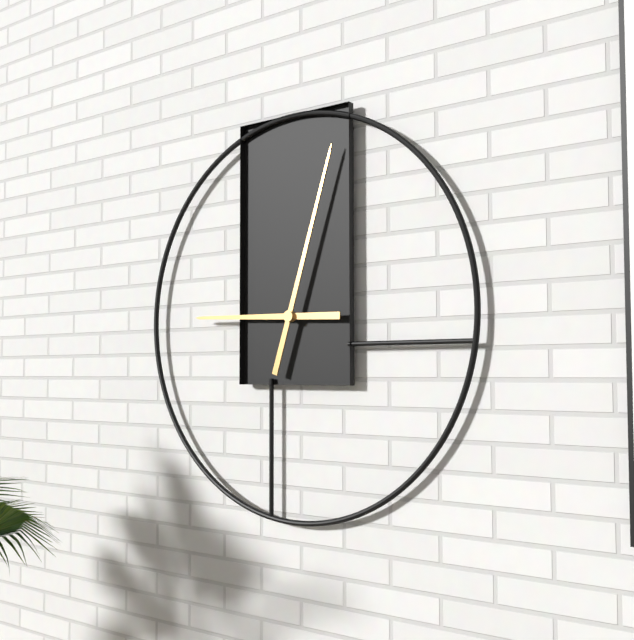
9:03
